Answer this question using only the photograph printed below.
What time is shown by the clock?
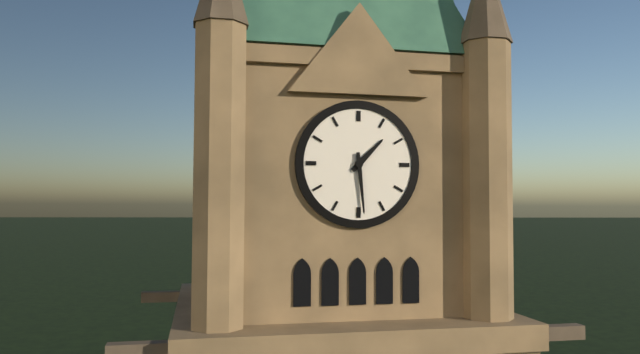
1:29
